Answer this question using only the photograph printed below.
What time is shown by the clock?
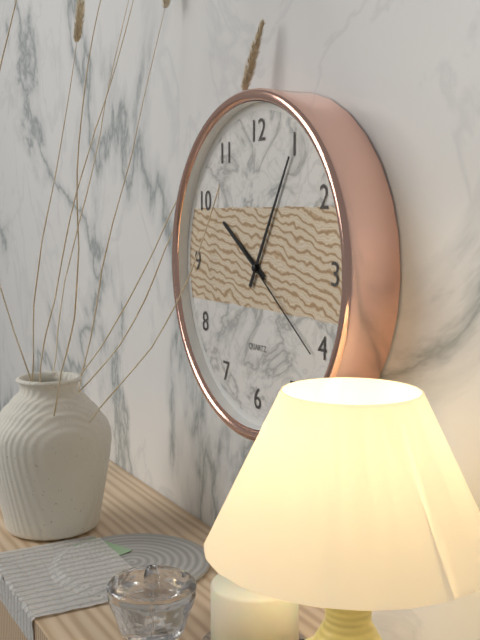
10:05:21
